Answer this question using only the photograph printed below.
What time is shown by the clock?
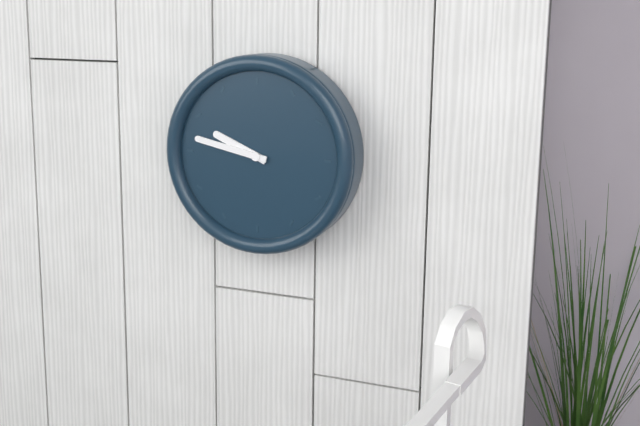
9:47
